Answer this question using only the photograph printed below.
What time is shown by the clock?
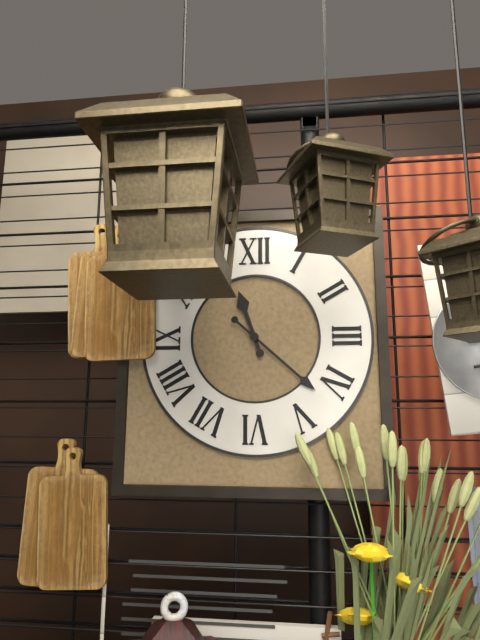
11:22
